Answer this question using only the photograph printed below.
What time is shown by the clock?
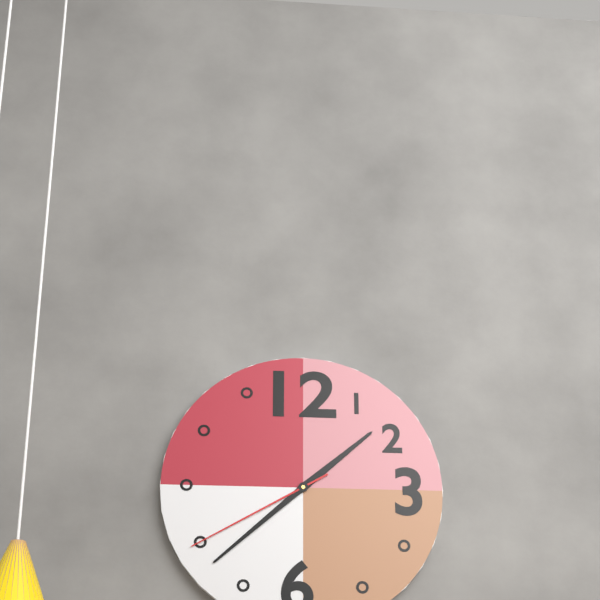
1:38:40
